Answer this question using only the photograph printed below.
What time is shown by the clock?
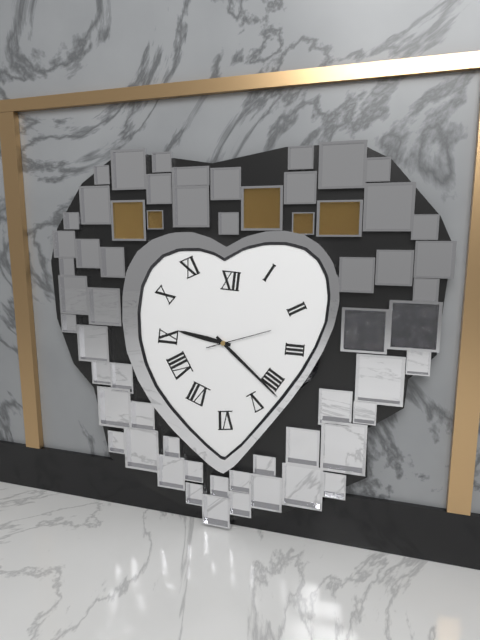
9:22:12
